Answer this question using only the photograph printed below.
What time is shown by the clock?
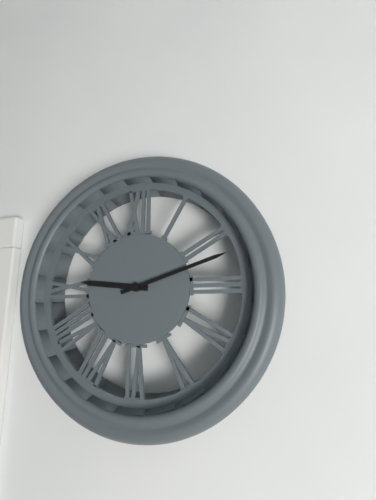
9:12
